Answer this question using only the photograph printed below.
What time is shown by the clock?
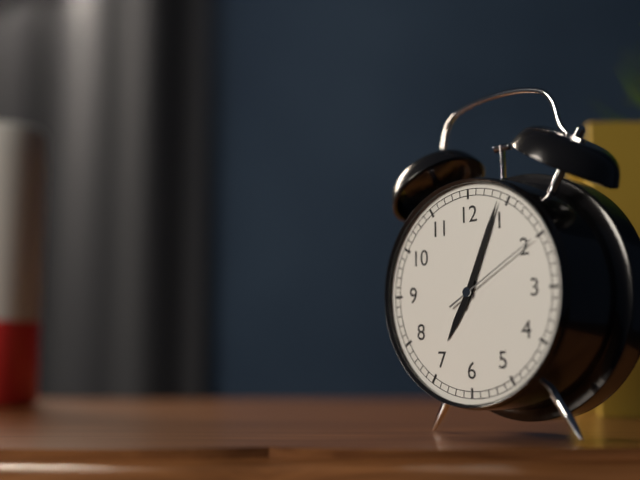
7:04:10
